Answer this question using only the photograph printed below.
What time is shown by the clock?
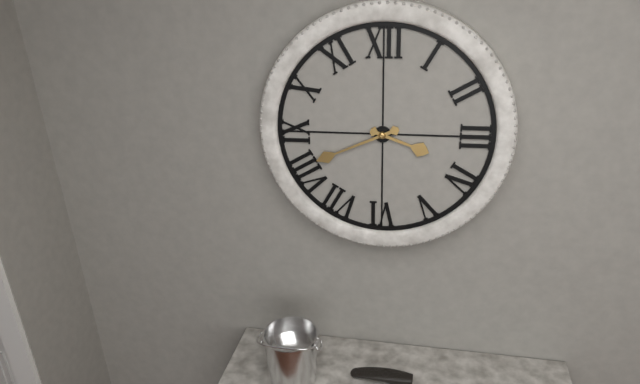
3:41
